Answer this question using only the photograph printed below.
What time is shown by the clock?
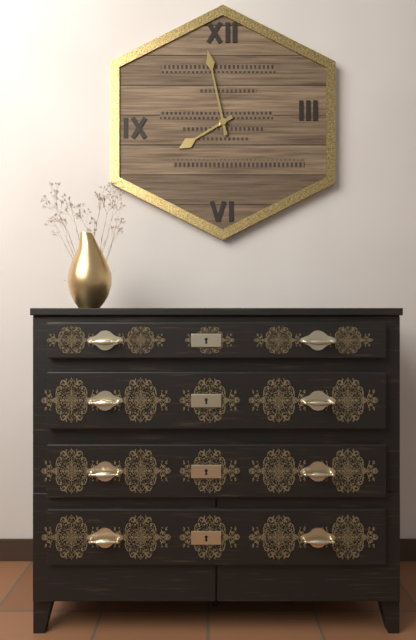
7:58
